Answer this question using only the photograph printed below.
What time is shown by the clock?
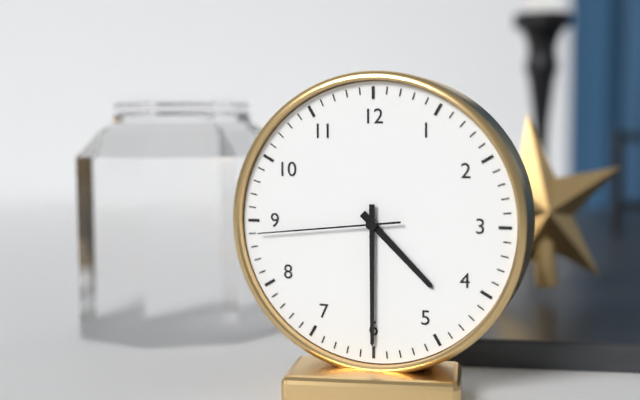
4:30:44
